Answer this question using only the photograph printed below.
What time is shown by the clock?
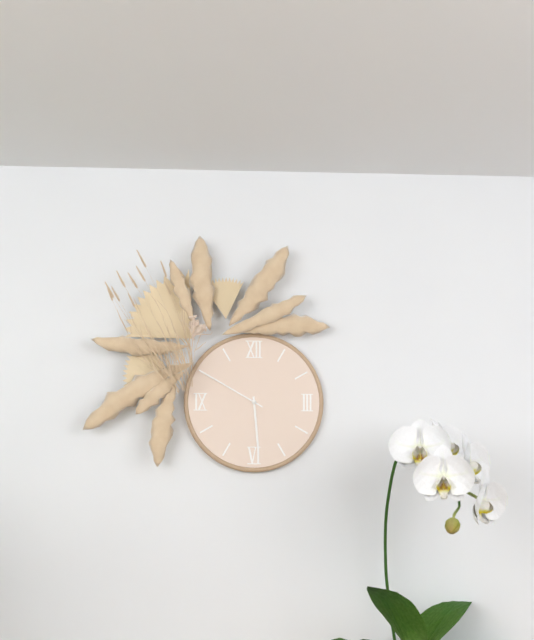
5:50
